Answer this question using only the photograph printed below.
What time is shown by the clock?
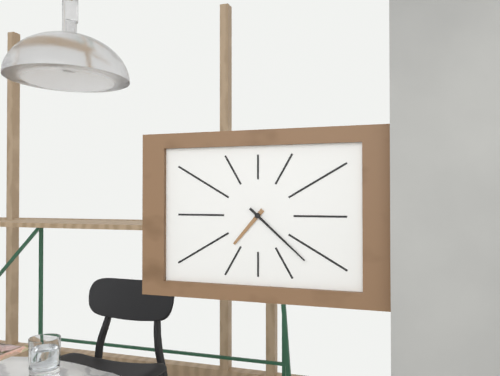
7:22
